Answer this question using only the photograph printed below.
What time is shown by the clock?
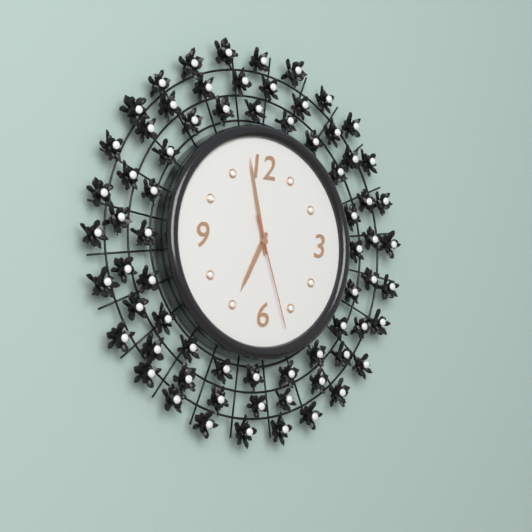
6:58:27
